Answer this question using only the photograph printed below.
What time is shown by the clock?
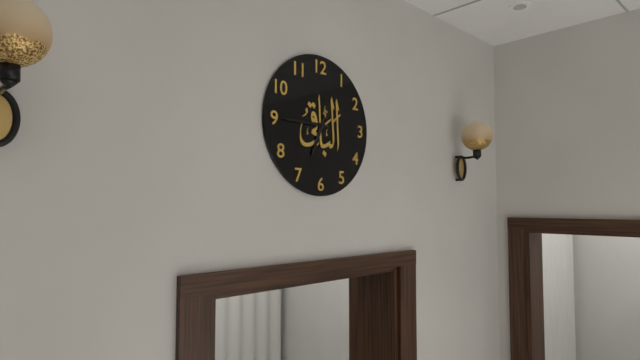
6:45
